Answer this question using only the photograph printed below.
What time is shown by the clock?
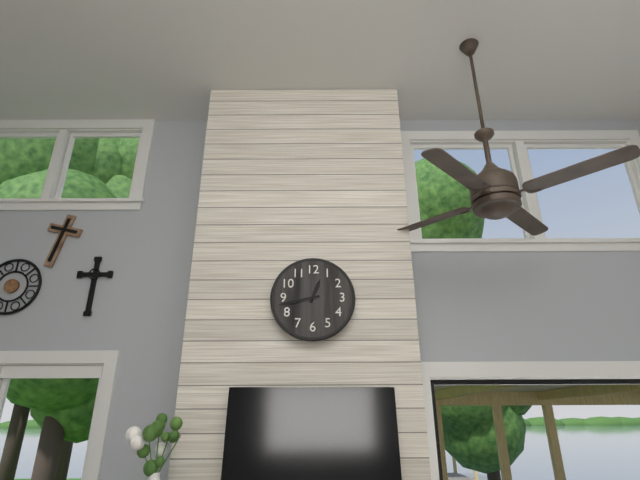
12:43
